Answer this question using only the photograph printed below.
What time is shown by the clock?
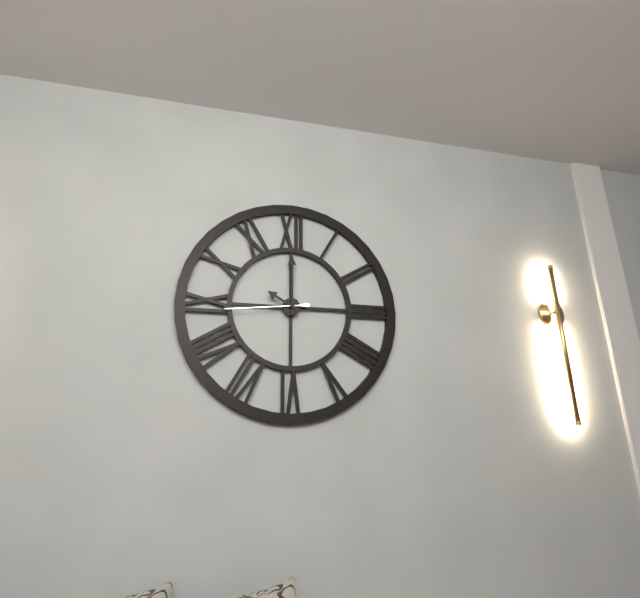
10:00:44
